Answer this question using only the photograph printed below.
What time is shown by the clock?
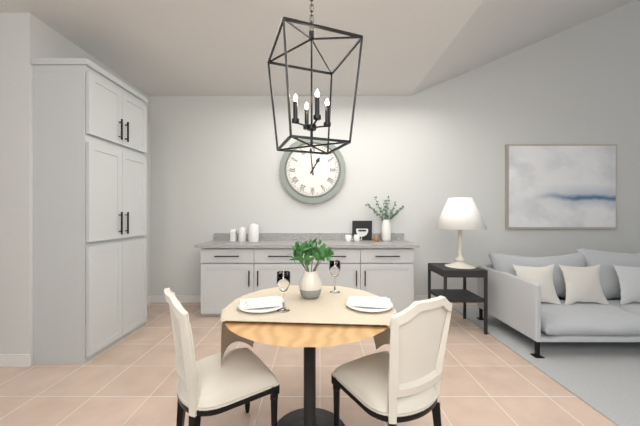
12:59
